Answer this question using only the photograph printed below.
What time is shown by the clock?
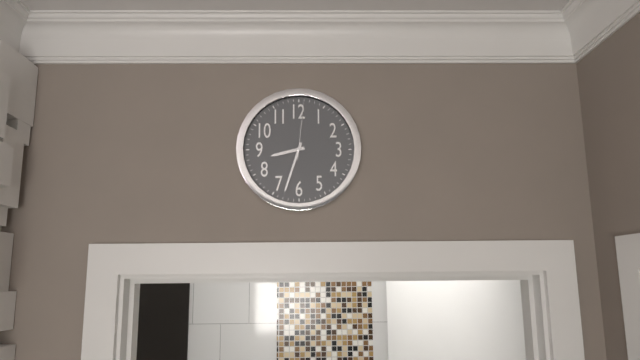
8:33:01
